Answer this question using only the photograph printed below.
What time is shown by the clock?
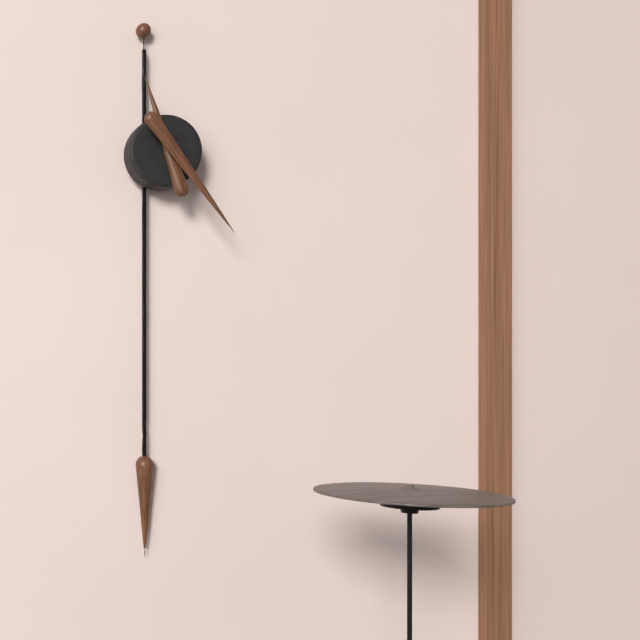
11:24
